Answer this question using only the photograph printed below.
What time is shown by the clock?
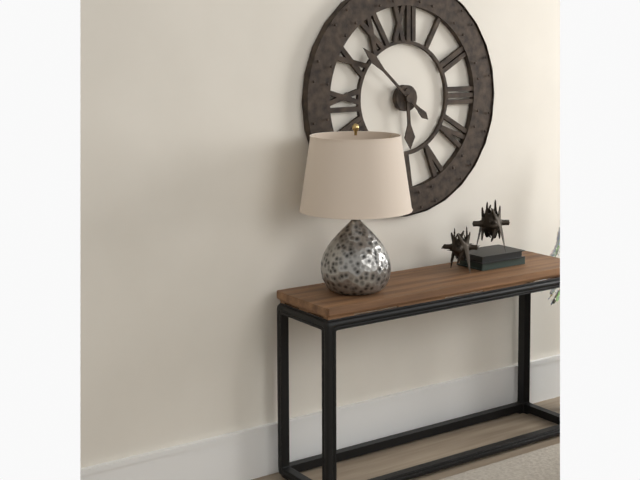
5:52
